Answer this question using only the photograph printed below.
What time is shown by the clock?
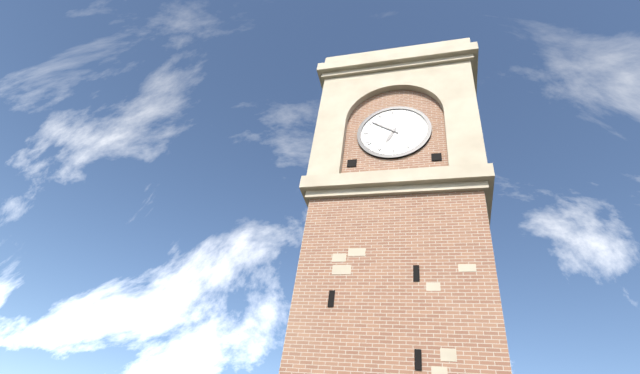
6:51
